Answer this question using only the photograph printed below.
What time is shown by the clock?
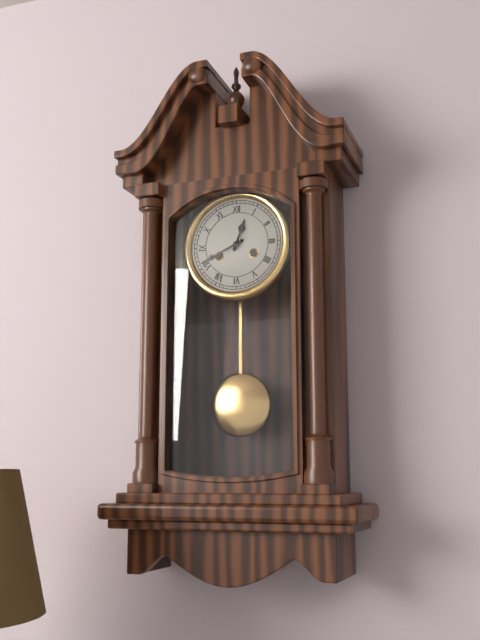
12:41
